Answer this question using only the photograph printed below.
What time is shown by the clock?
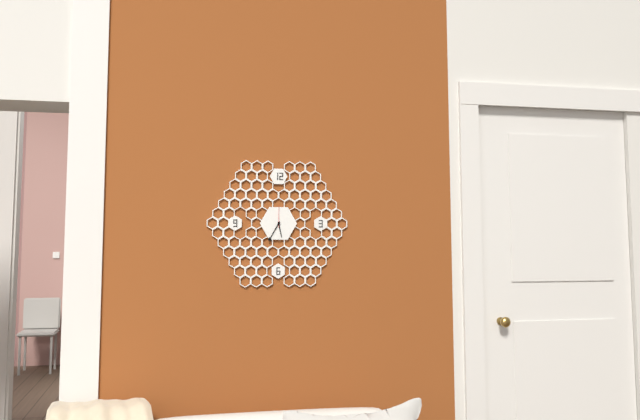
5:35
